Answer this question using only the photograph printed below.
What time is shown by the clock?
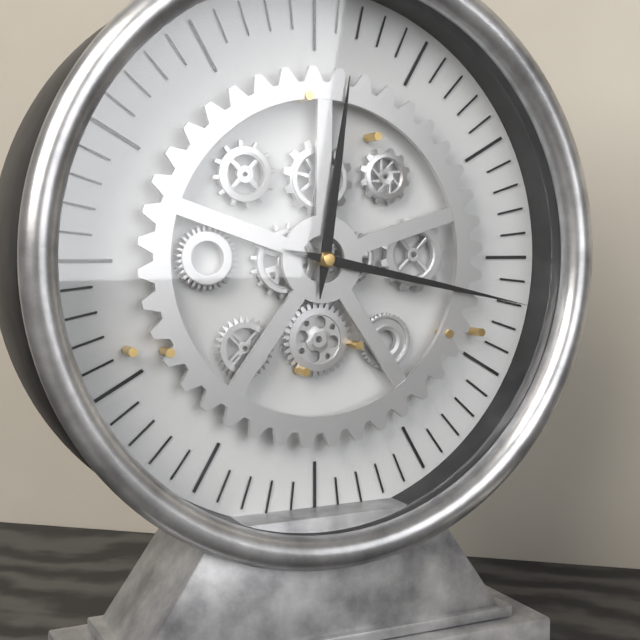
12:17
